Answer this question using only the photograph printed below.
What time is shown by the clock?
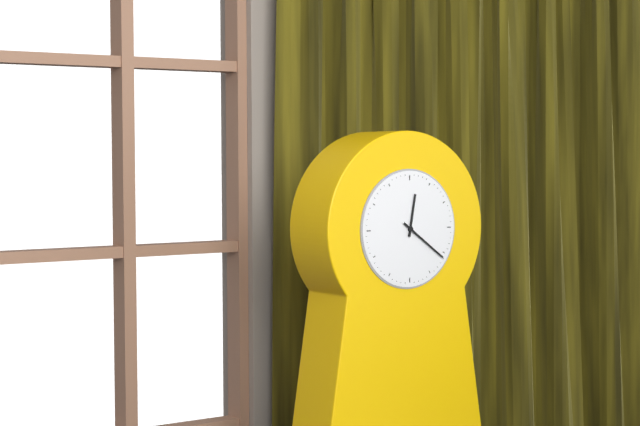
12:21
